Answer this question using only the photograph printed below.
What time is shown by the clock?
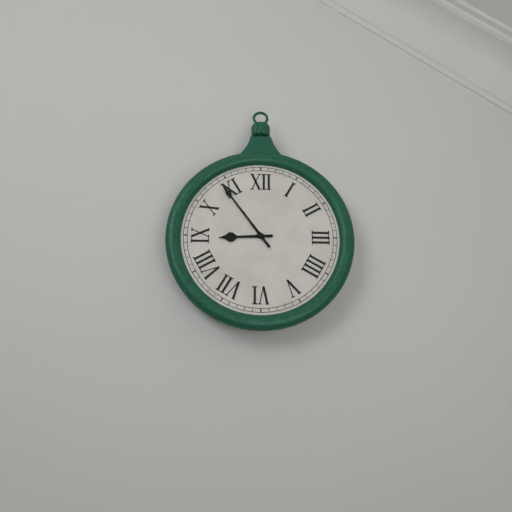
8:54
